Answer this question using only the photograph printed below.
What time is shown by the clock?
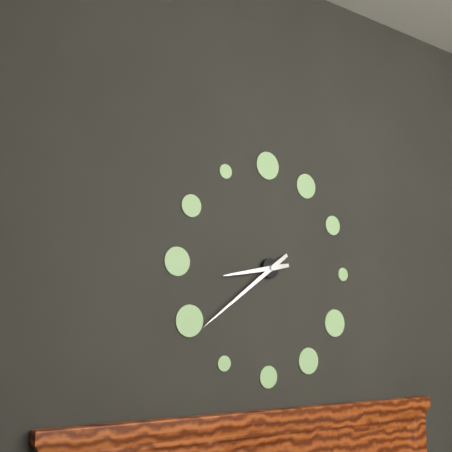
8:39
